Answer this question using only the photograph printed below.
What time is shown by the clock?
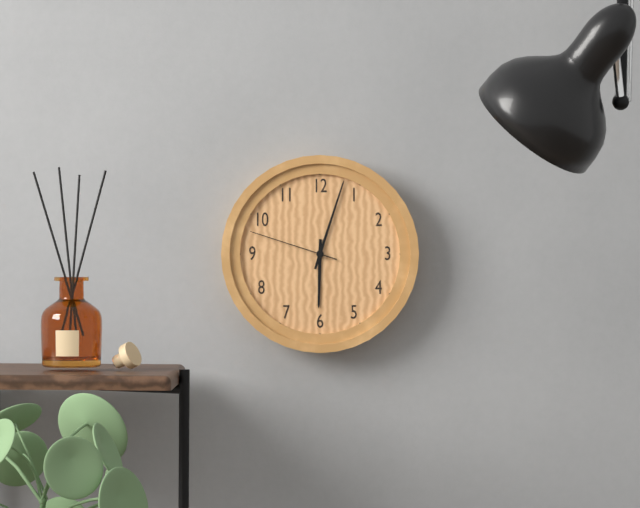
6:03:48
